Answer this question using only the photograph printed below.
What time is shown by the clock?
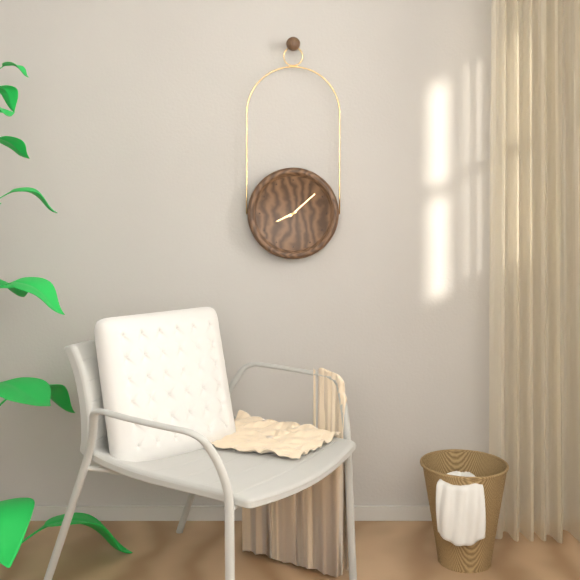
8:08
